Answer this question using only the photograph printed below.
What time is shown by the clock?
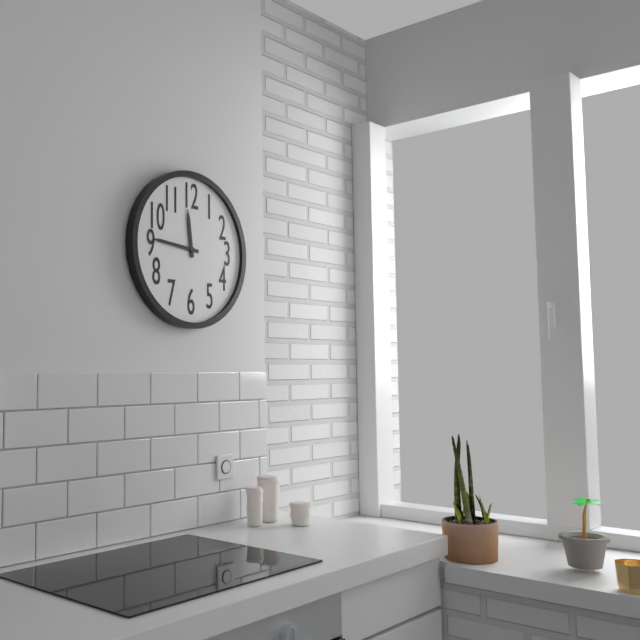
11:46
